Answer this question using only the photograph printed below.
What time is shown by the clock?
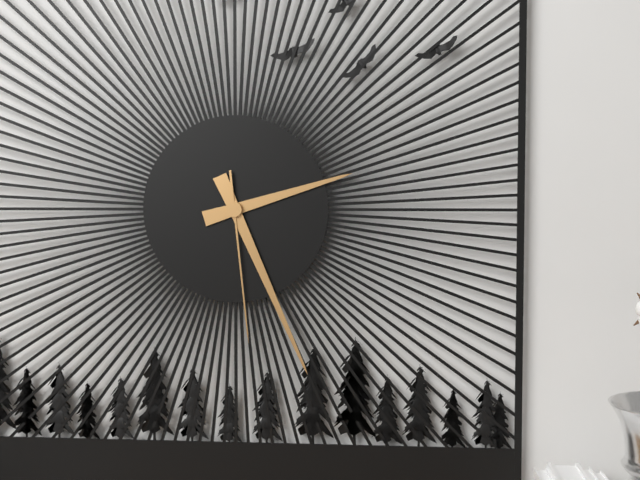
2:26:29
